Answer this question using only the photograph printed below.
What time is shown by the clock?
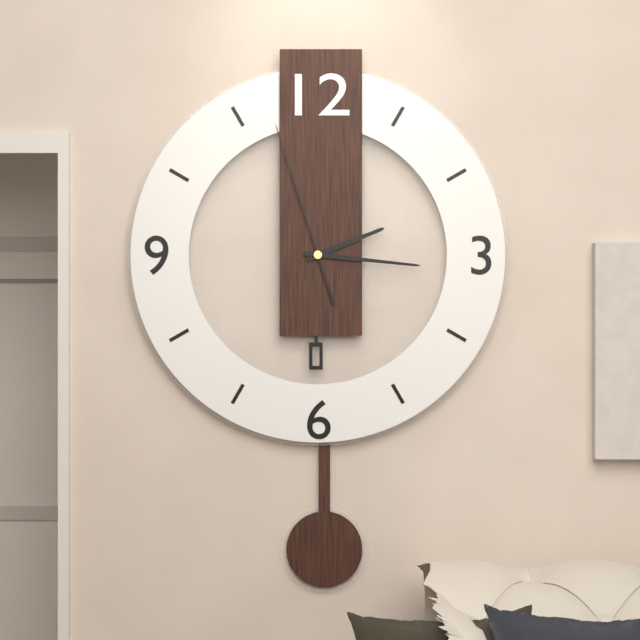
2:16:57
